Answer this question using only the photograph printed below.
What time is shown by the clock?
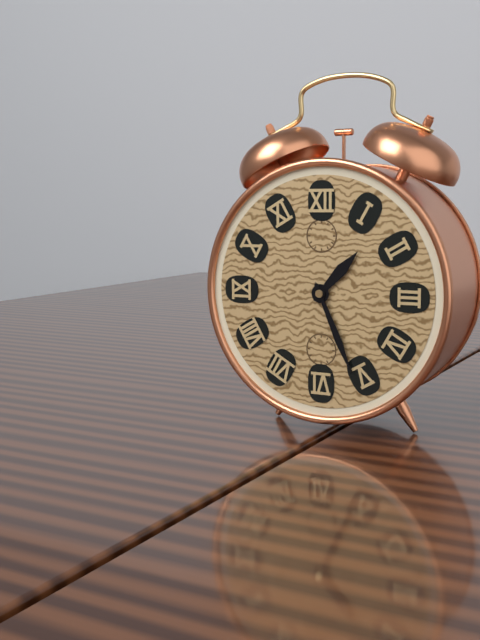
1:26
